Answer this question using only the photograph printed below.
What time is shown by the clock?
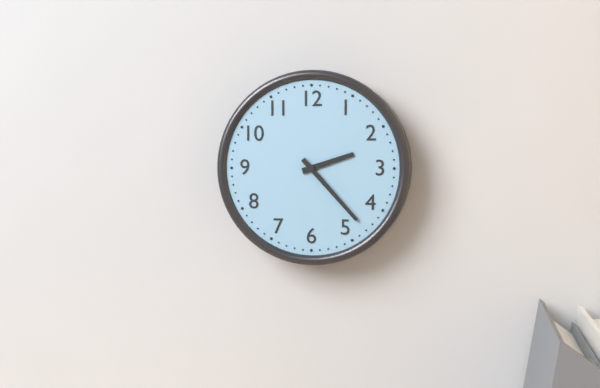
2:23
